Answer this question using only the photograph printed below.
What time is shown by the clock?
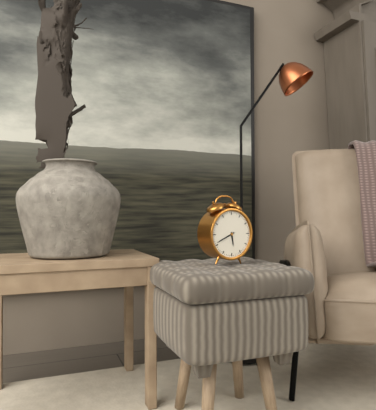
5:41
